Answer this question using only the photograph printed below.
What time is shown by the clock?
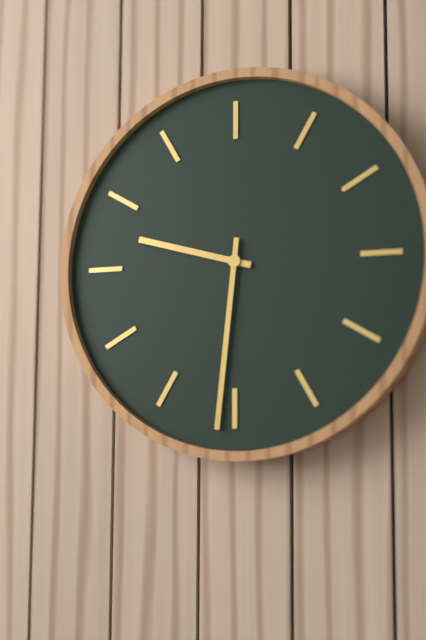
9:31
